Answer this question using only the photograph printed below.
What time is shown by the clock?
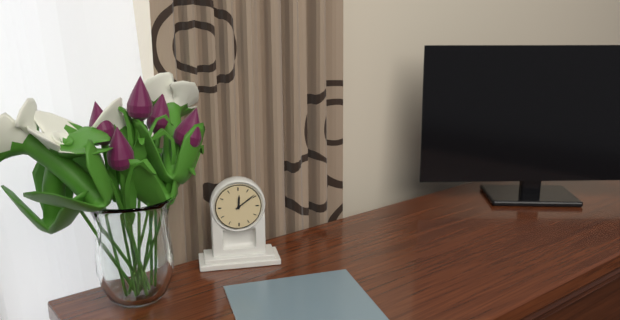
12:09
